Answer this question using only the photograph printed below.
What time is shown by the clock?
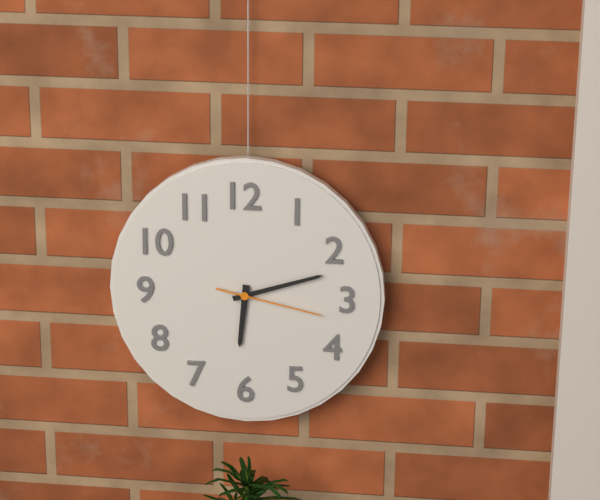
6:12:17
